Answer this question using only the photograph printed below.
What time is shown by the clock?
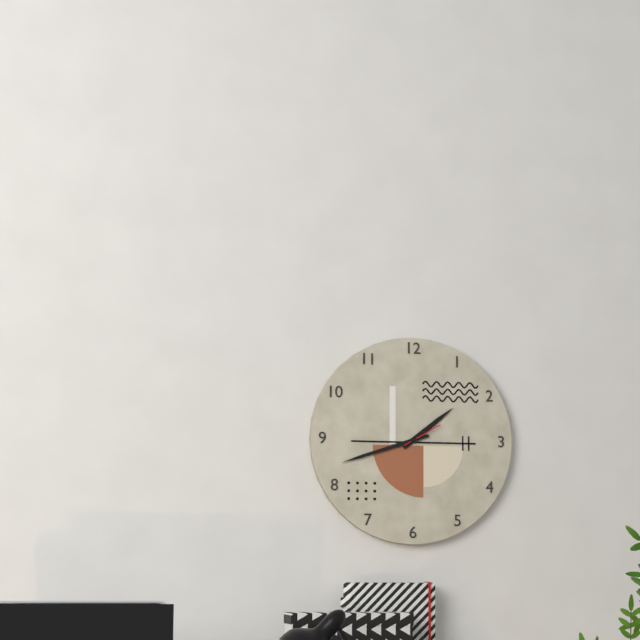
1:42
